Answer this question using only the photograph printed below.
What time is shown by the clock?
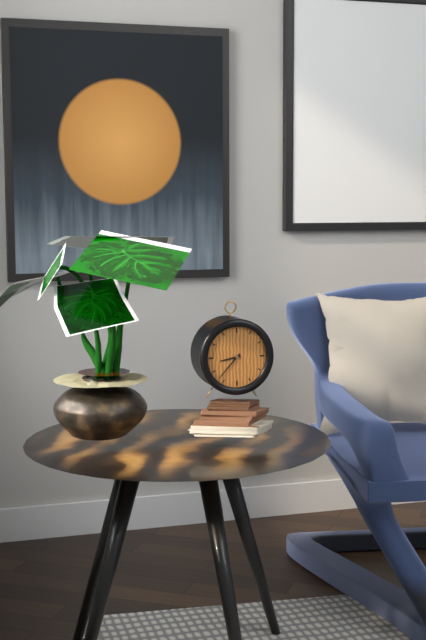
8:37
